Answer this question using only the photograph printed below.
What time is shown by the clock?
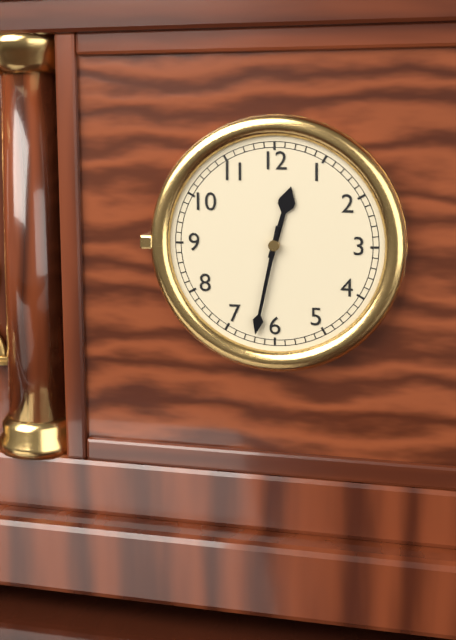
12:32
